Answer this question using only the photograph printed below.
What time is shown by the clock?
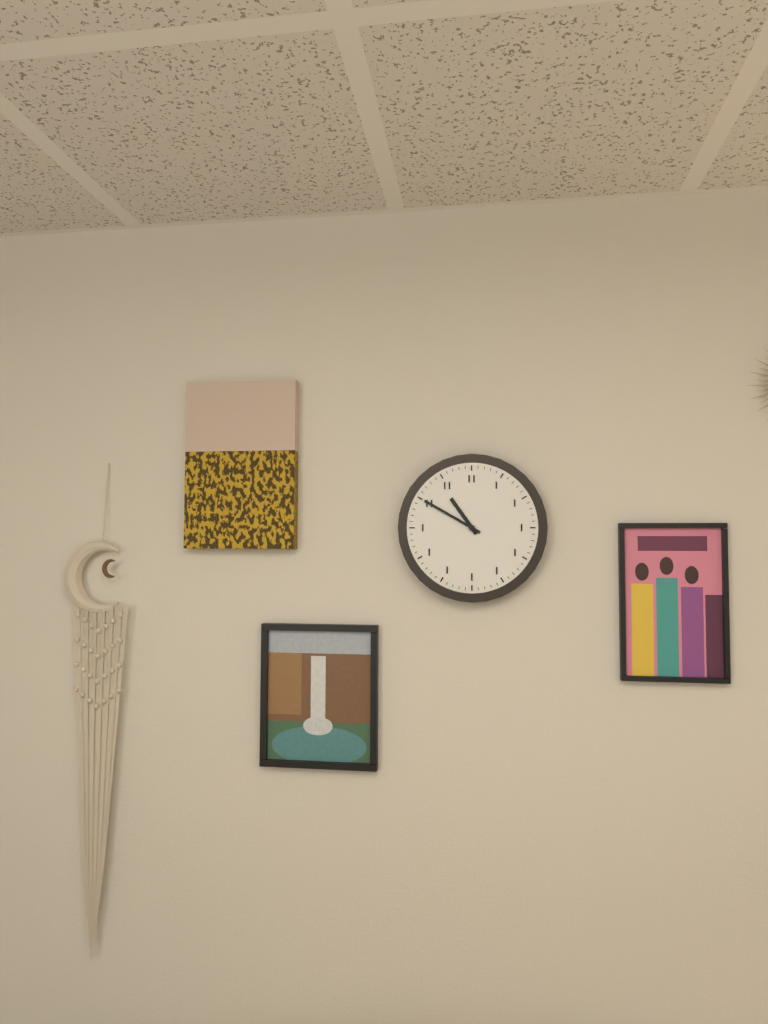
10:50
